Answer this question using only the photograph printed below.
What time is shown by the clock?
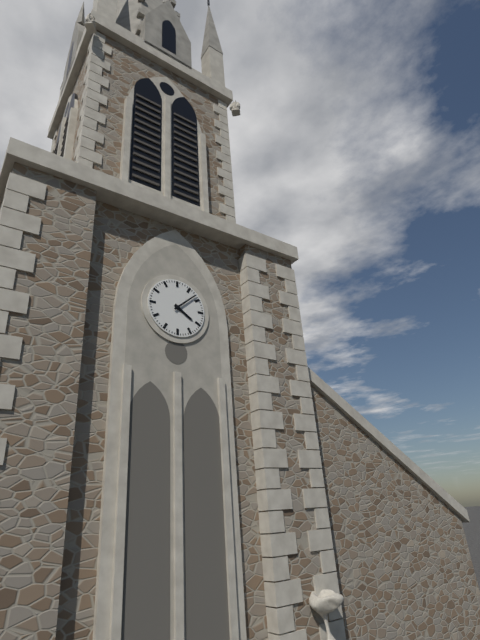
4:08
